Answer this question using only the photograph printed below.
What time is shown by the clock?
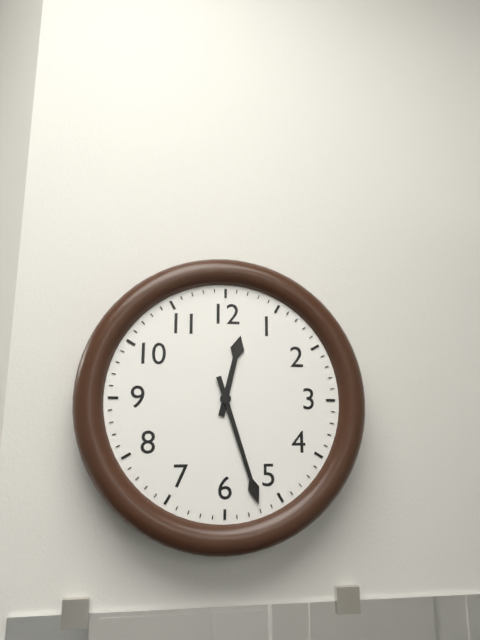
12:27
